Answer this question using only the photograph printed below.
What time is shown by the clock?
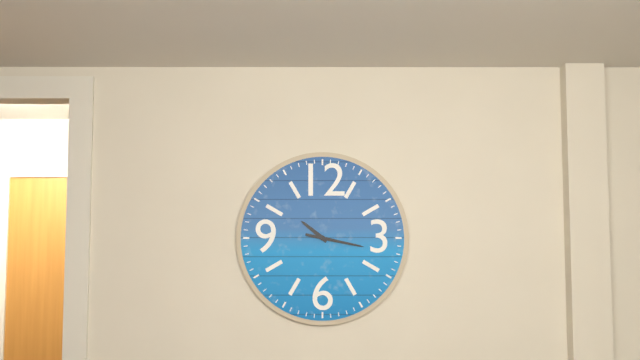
10:17
